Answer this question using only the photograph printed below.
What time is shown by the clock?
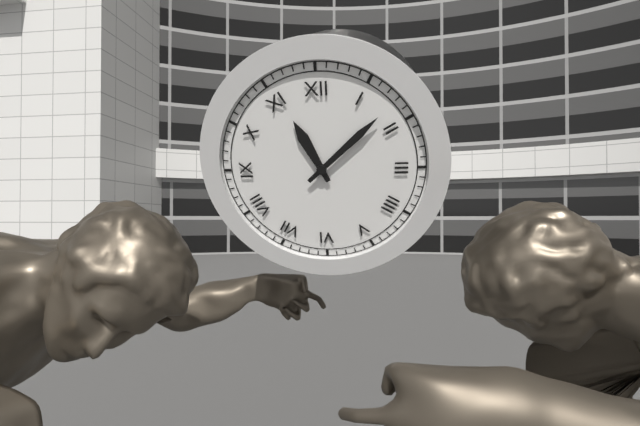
11:08
